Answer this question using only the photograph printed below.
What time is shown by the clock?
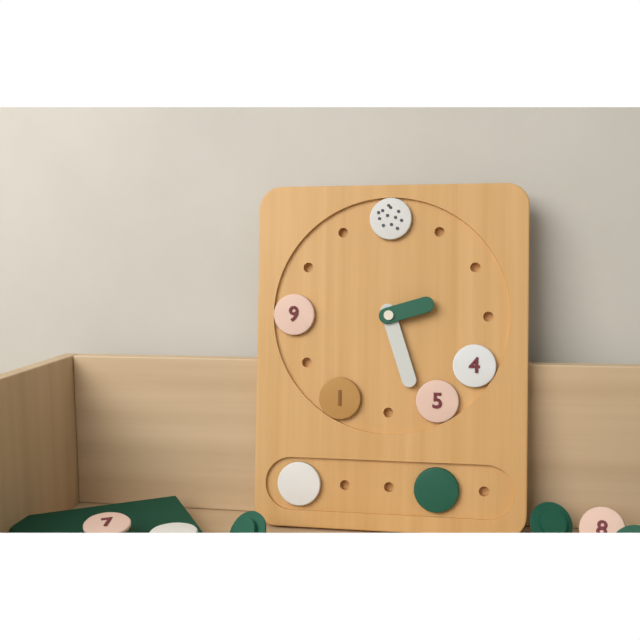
2:27
